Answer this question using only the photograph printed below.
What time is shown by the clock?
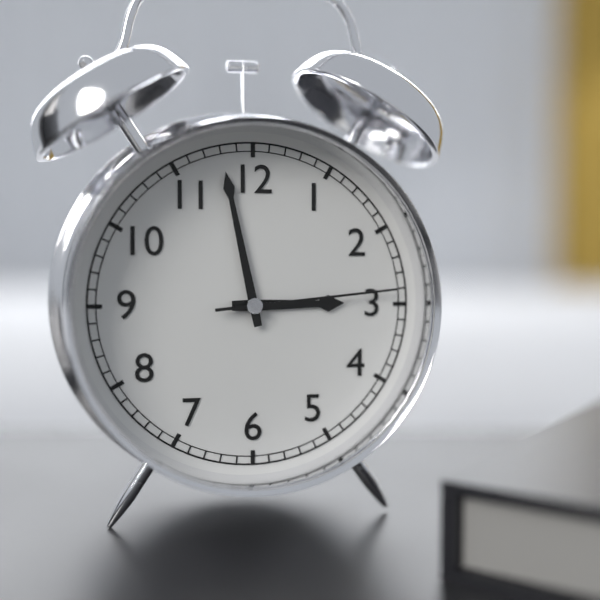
2:58:14
